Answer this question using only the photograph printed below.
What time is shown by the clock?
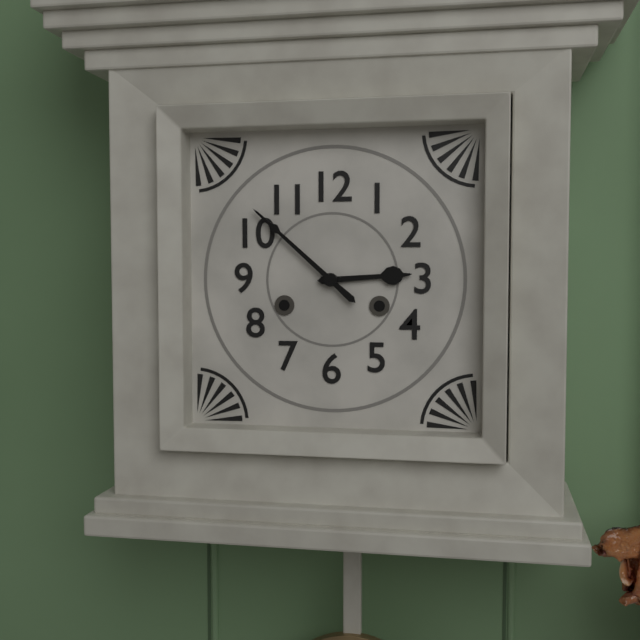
2:52
